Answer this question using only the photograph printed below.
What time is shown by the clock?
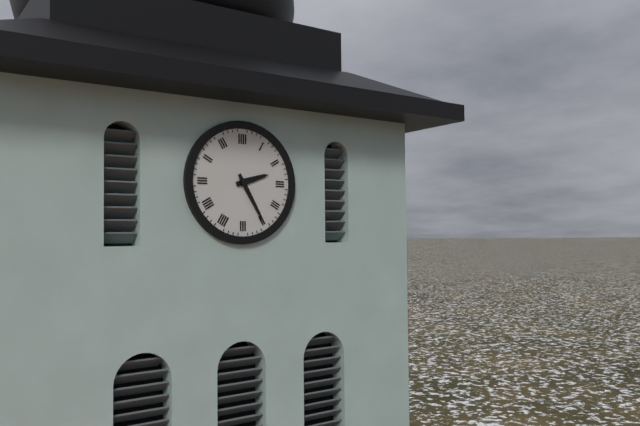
2:25
